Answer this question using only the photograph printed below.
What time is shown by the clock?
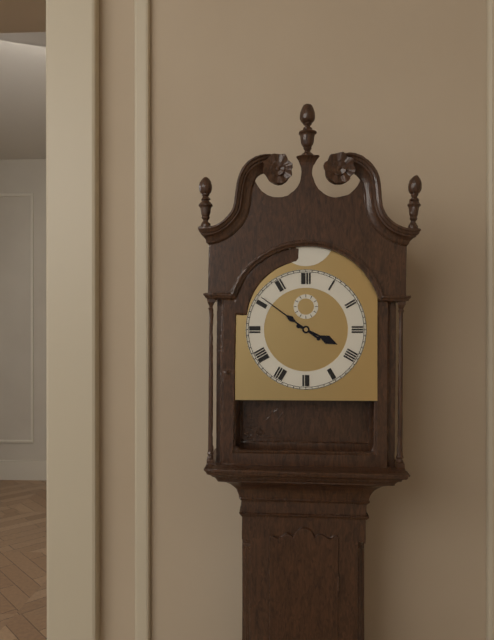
3:51
